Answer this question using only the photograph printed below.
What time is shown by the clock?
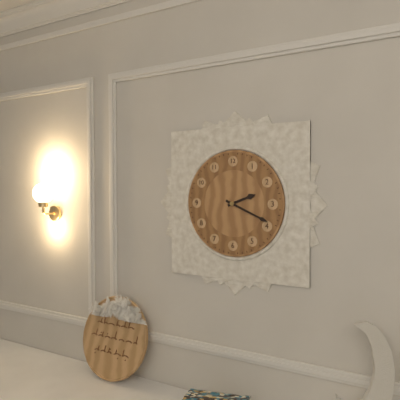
2:19
